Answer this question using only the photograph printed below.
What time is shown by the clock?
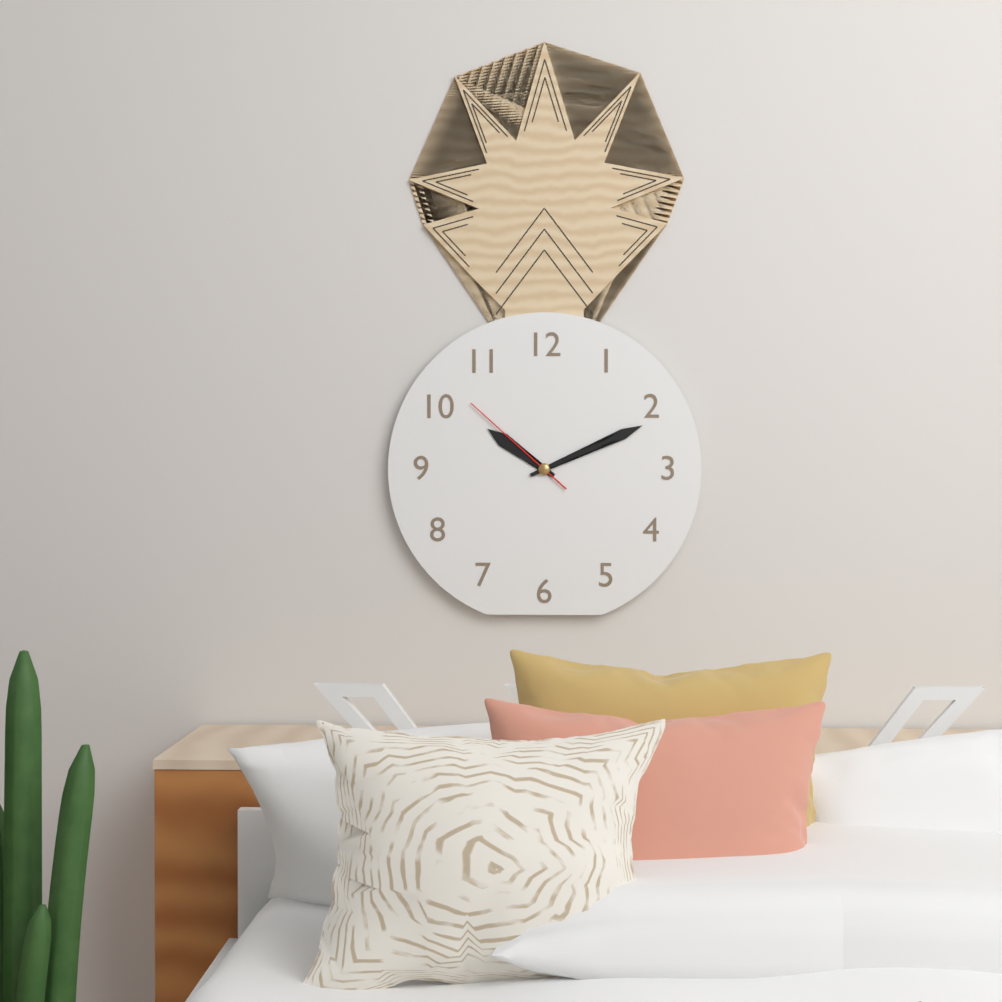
10:11:52
